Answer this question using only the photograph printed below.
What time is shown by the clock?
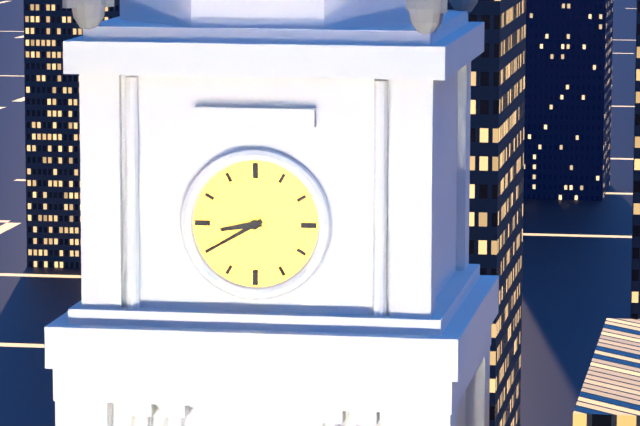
8:40
